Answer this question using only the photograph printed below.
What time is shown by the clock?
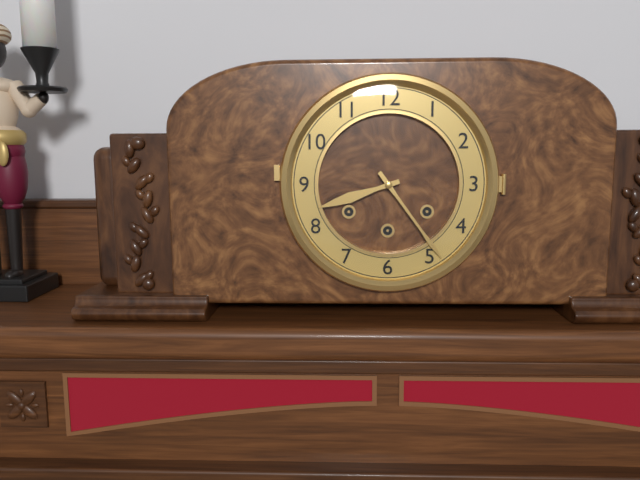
8:24
